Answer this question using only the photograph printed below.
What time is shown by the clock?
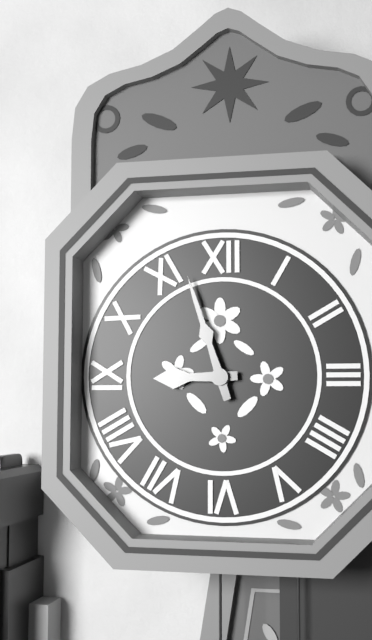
8:57
